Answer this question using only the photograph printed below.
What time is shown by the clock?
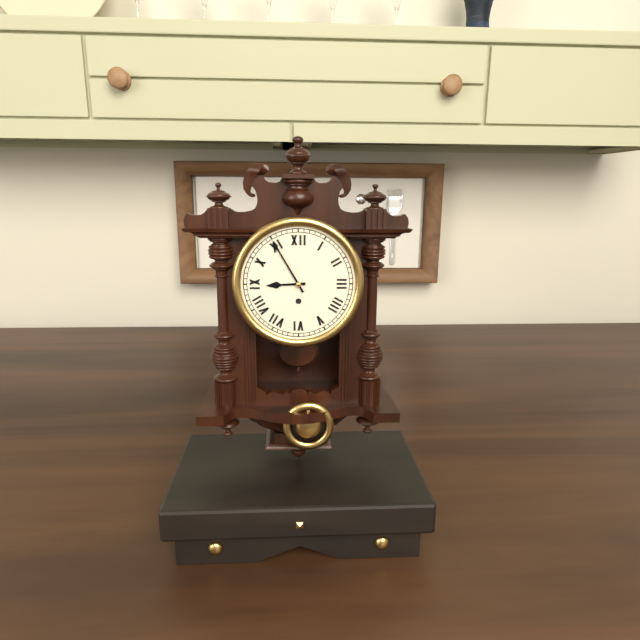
8:55
